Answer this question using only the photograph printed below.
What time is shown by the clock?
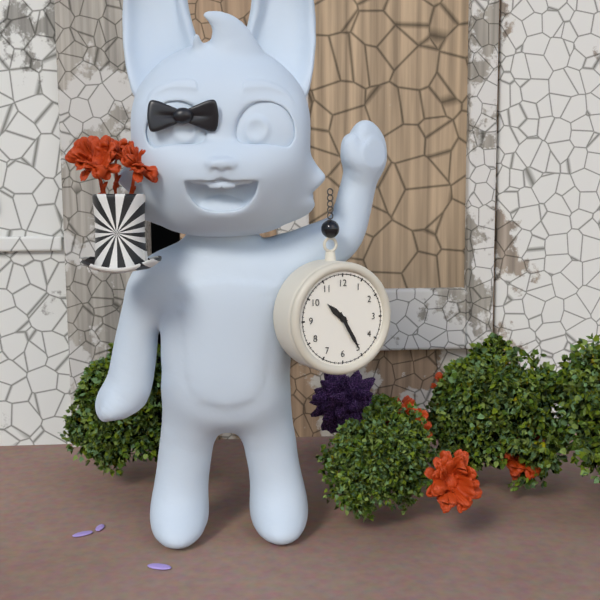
10:25
